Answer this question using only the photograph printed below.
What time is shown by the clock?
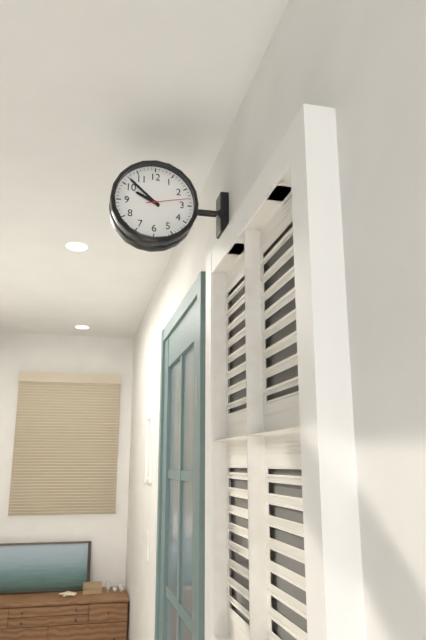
9:52
